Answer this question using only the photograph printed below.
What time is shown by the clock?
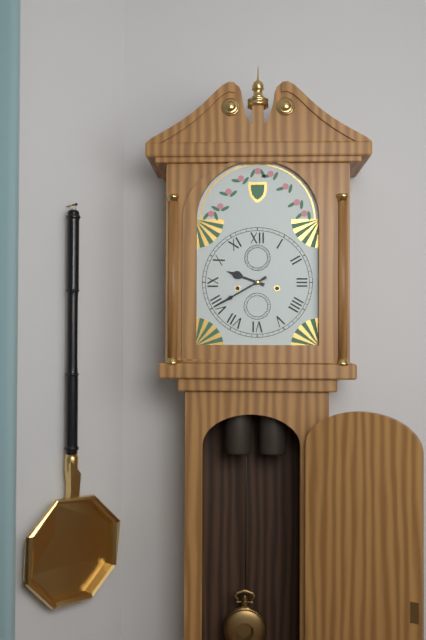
9:40
